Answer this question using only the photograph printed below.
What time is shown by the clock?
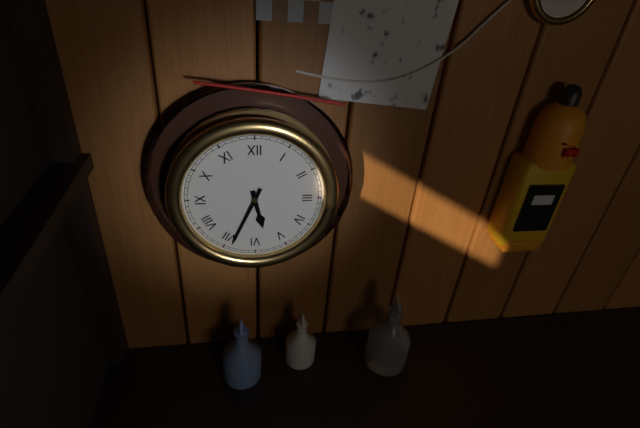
5:34
